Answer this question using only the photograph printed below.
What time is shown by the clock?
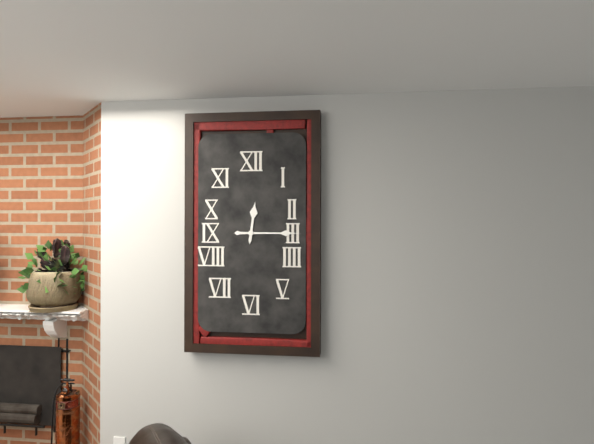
12:15
